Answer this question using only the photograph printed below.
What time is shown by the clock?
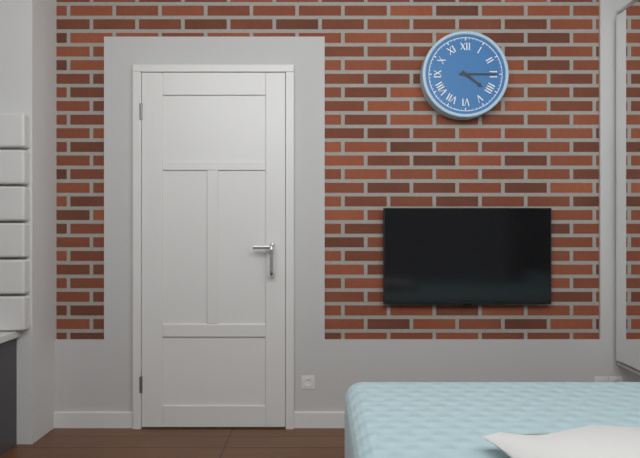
4:15
